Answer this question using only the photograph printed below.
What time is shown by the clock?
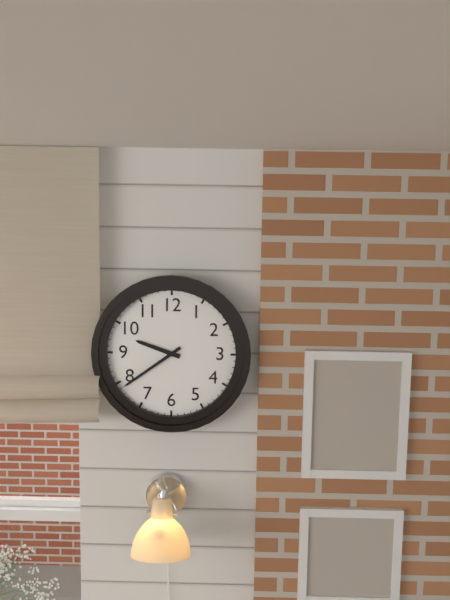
9:39
